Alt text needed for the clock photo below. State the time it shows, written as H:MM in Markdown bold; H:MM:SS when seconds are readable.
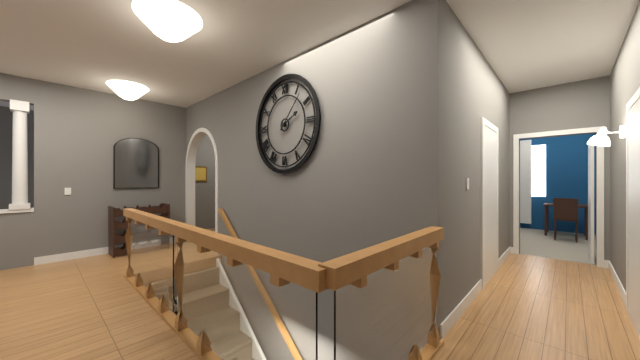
**2:07**
